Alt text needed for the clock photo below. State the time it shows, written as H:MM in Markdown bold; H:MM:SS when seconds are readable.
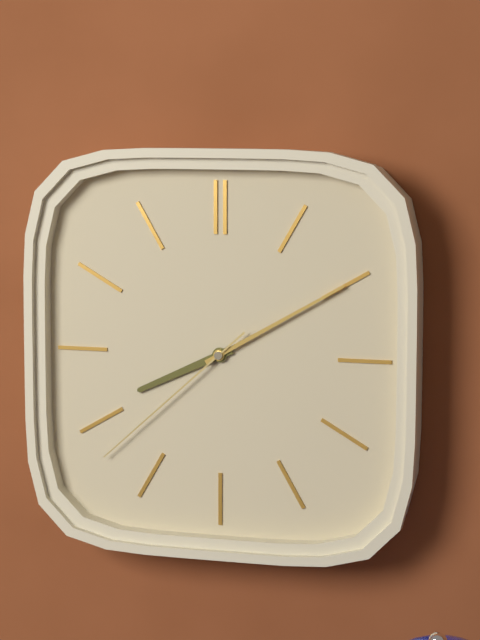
**8:10:38**
